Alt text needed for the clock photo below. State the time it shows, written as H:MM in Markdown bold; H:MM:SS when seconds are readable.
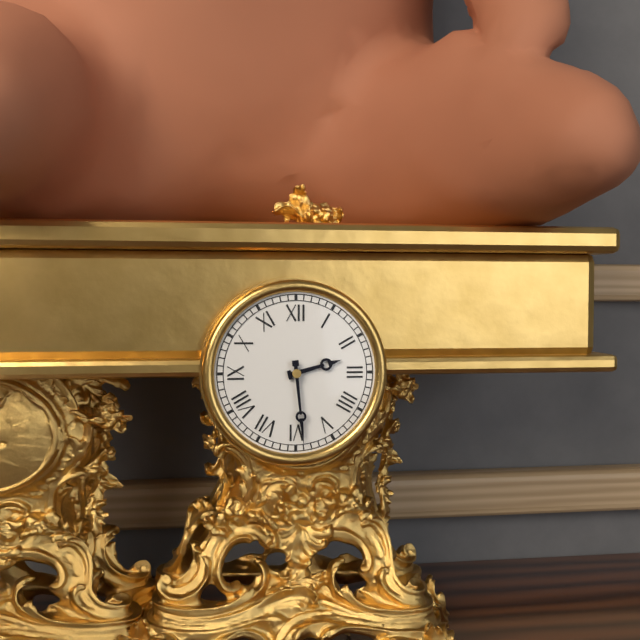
**2:29**
